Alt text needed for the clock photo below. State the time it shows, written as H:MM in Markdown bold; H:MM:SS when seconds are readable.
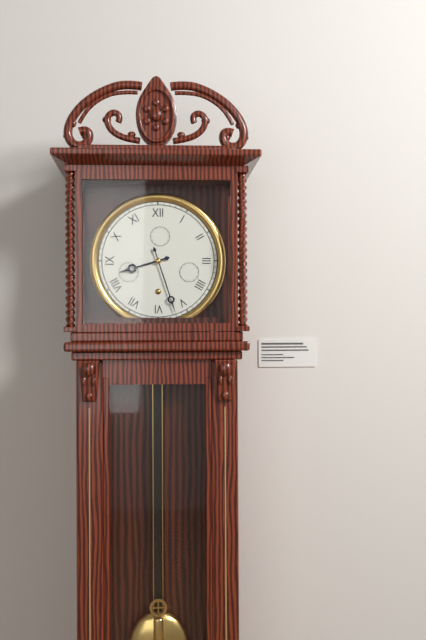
**8:27**
